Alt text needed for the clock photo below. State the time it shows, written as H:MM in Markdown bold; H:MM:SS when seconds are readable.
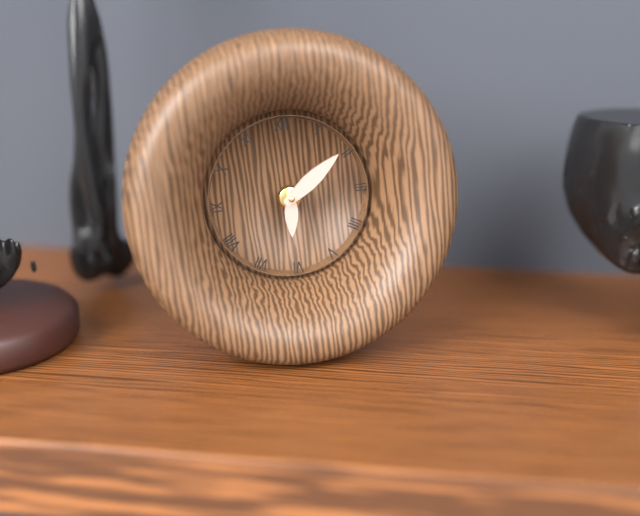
**6:09**
